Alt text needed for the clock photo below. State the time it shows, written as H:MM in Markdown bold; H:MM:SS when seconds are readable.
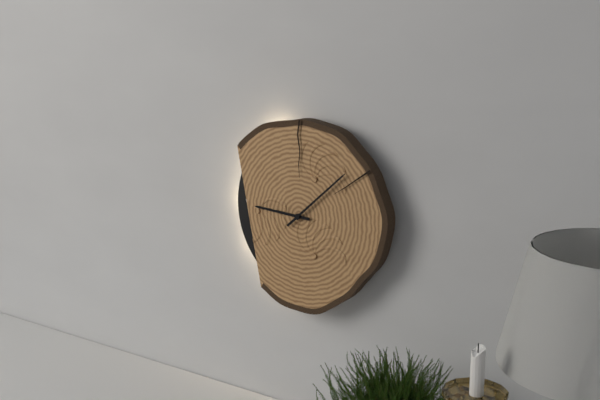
**9:08**
